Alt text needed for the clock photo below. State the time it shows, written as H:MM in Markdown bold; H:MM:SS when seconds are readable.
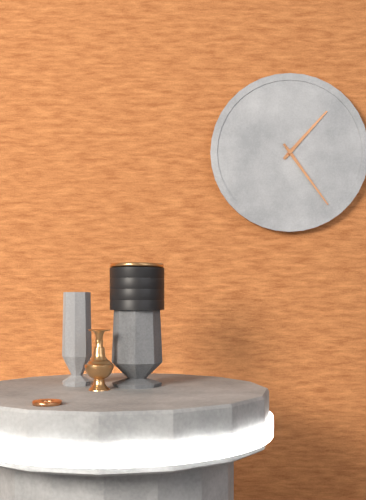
**1:24**
